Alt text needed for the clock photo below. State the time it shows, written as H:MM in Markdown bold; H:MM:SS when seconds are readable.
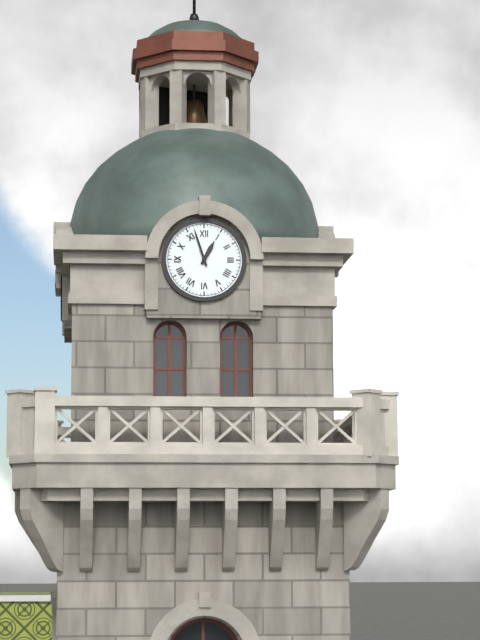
**12:57**
